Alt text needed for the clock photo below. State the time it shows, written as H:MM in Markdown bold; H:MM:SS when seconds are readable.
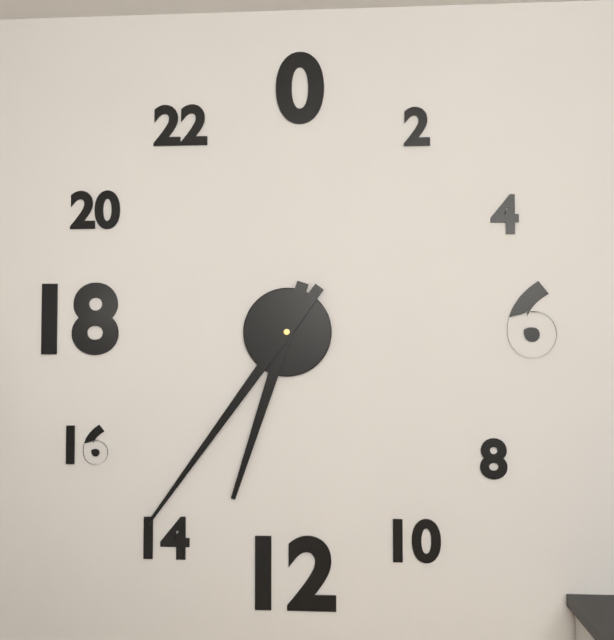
**6:36**
